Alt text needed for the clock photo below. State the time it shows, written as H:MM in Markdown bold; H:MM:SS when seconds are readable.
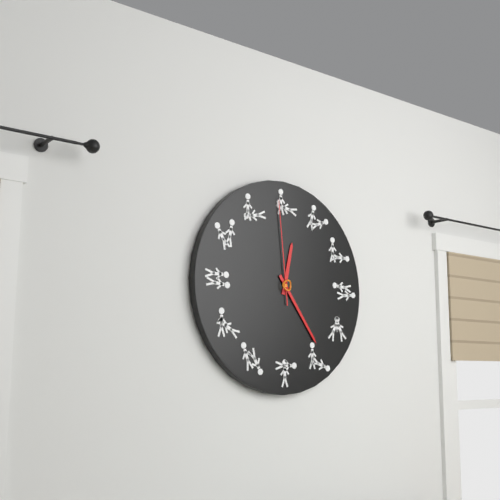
**12:24:59**
